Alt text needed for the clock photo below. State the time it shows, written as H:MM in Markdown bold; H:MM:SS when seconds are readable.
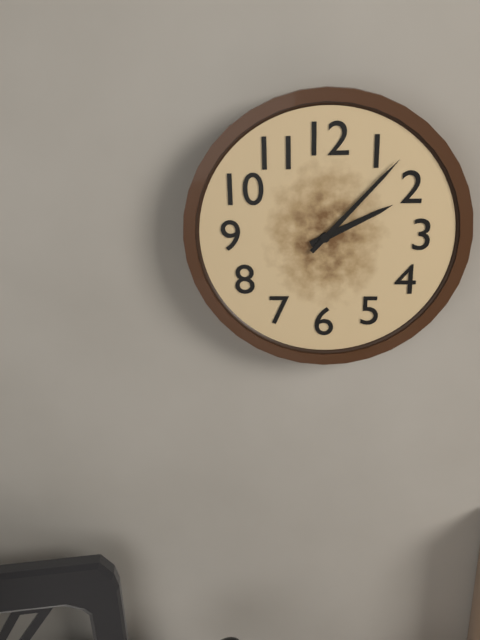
**2:07**
